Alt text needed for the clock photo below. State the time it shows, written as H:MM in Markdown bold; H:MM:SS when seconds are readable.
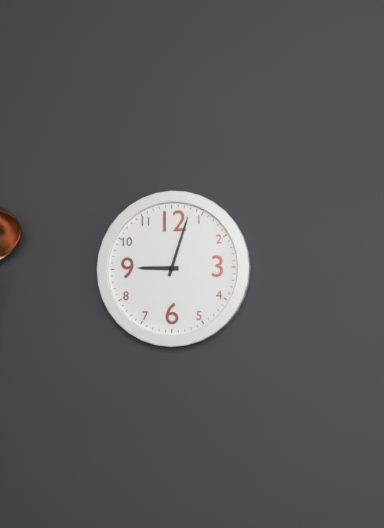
**9:03**
